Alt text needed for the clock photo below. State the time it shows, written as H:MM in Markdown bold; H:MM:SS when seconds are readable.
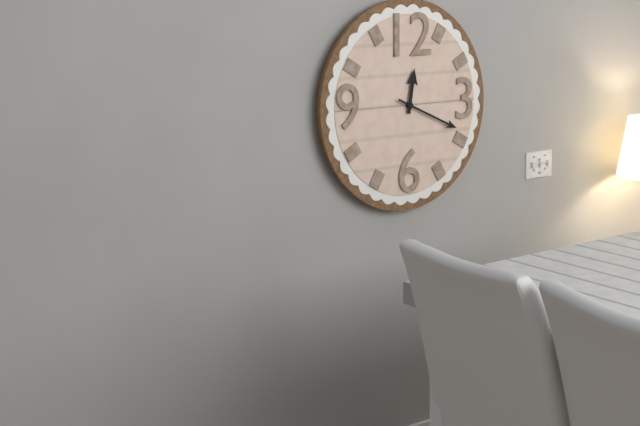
**12:19**
